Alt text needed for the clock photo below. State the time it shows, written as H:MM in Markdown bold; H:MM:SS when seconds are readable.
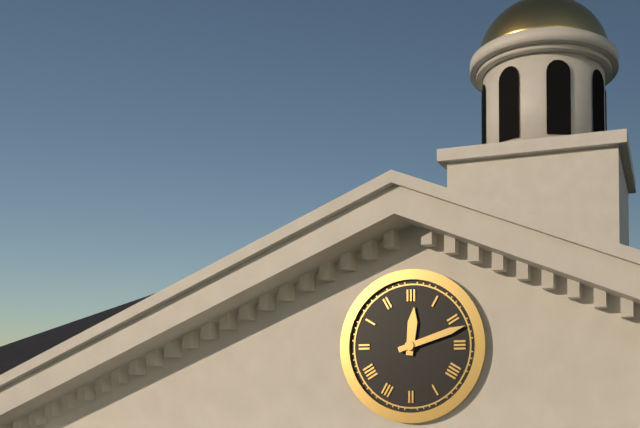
**12:12**
